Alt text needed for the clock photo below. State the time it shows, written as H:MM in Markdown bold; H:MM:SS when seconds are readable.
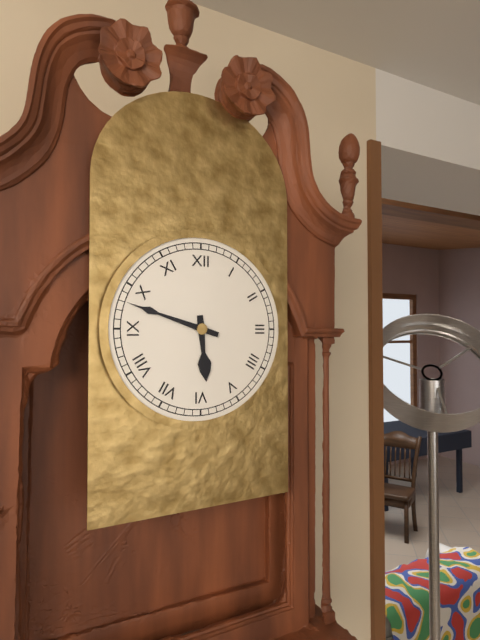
**5:48**
